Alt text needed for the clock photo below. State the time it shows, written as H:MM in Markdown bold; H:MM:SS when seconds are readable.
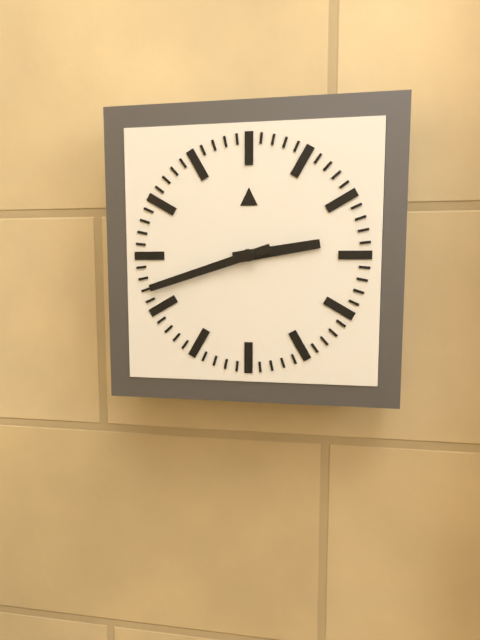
**2:42**
